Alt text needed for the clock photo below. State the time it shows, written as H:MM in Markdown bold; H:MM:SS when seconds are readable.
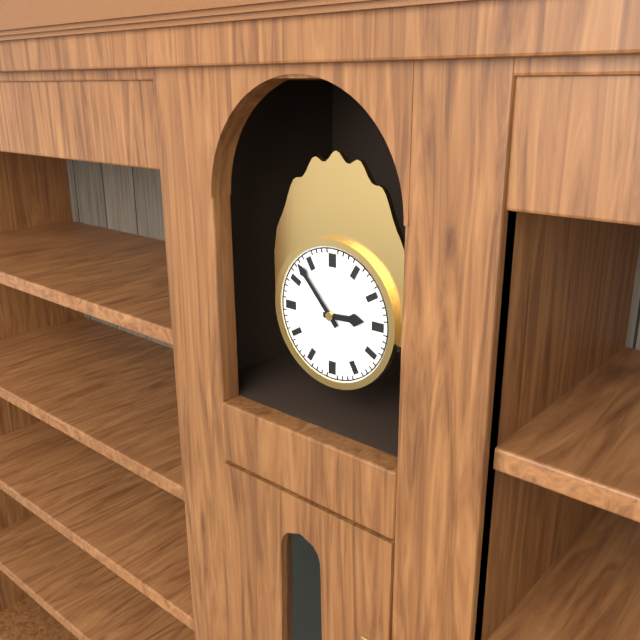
**2:53**
